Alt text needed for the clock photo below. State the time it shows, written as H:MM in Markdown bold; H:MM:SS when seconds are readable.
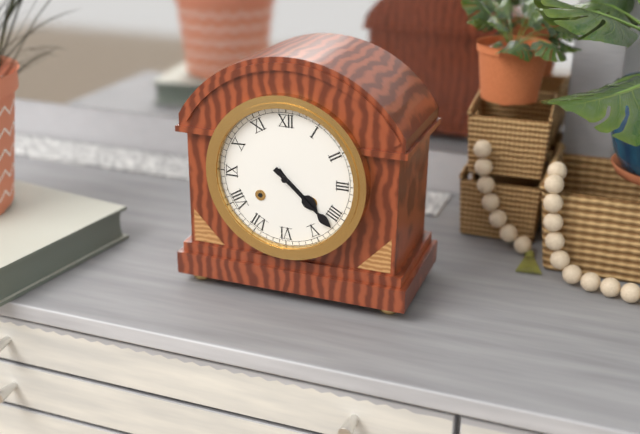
**4:22**
